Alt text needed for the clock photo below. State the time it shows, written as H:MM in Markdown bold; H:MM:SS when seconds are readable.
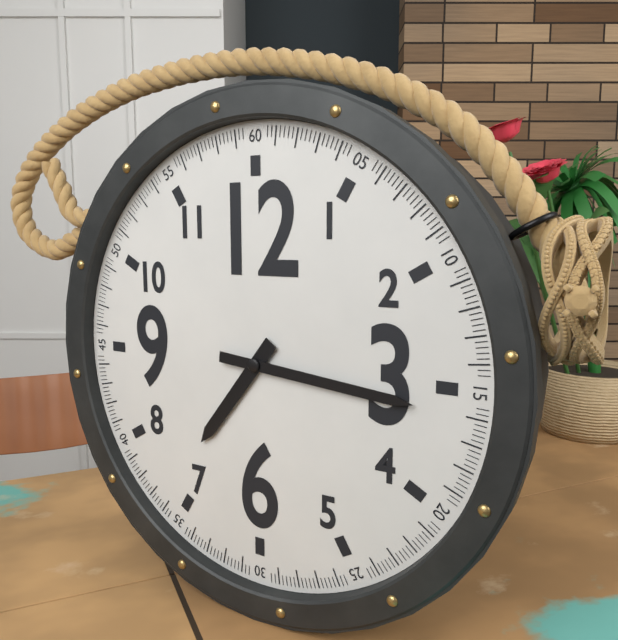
**7:16**
